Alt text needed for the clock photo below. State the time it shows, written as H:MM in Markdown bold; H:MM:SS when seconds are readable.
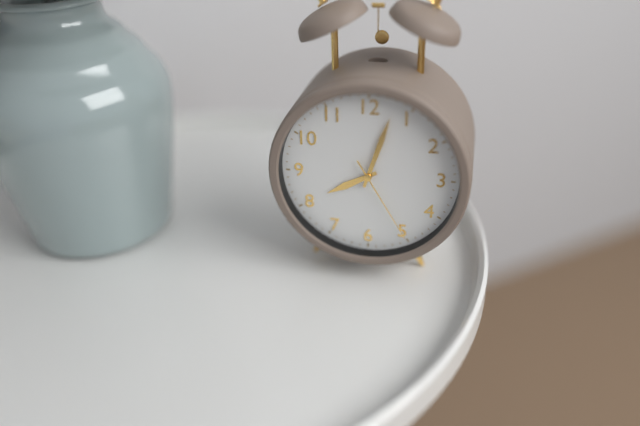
**8:03:25**
